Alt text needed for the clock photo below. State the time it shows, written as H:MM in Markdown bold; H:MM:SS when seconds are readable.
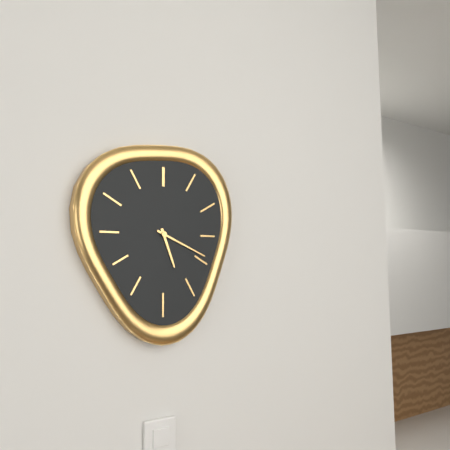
**5:19**
